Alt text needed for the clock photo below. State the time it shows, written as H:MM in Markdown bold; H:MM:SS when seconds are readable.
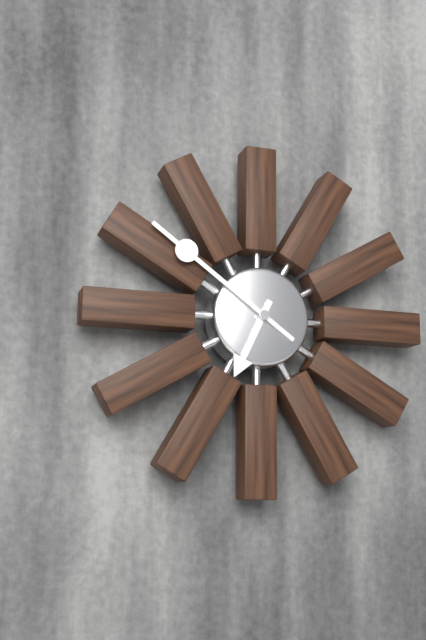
**6:51**
